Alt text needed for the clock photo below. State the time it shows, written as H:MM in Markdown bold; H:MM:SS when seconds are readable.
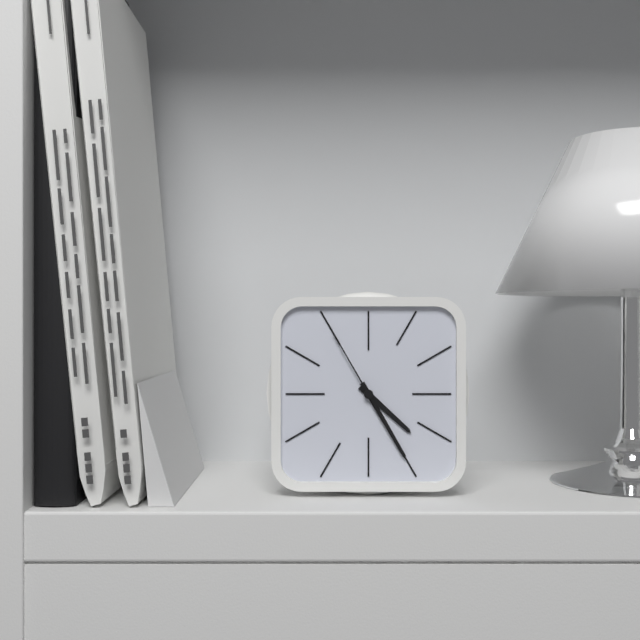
**4:25:55**
